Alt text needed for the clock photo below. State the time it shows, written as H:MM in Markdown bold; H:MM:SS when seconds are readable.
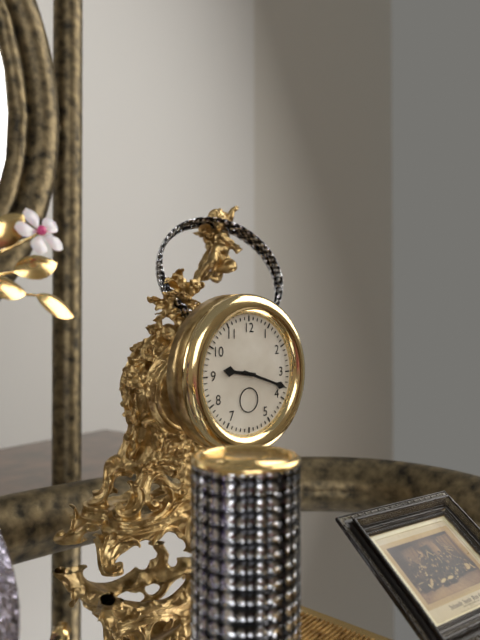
**9:18**
